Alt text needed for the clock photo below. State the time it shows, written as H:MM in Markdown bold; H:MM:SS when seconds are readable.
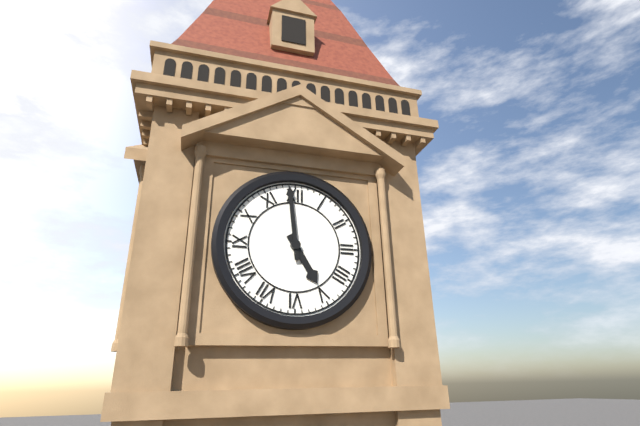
**4:59**
